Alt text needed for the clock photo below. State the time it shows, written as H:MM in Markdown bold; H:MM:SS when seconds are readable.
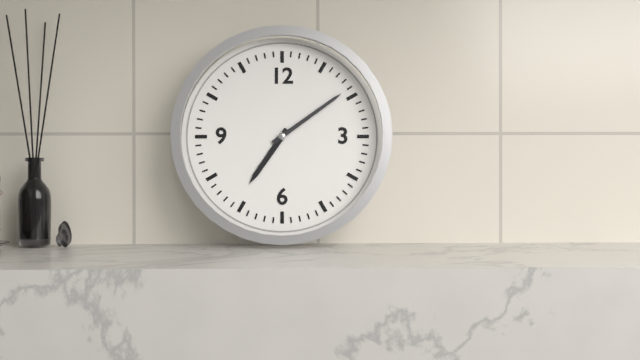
**7:09**
